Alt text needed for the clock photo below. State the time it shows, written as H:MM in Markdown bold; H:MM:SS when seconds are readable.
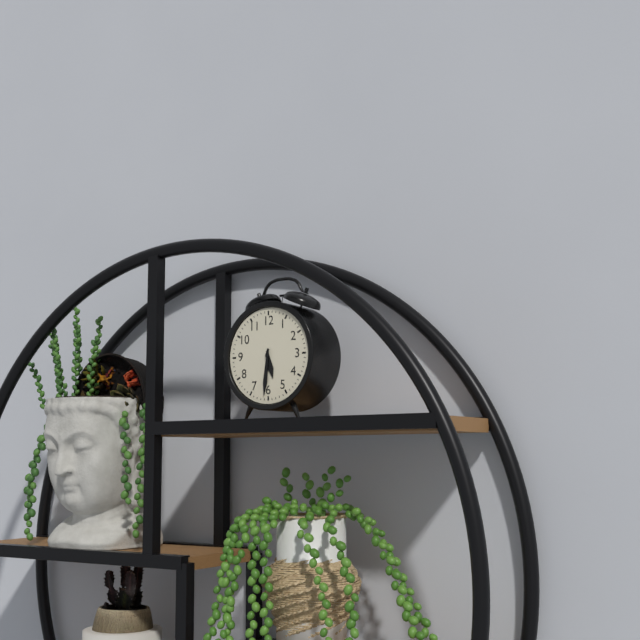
**5:31**
